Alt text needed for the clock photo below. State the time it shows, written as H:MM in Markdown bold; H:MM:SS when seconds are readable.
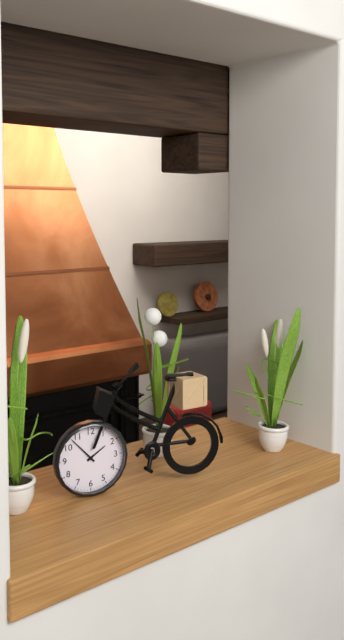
**1:53**
